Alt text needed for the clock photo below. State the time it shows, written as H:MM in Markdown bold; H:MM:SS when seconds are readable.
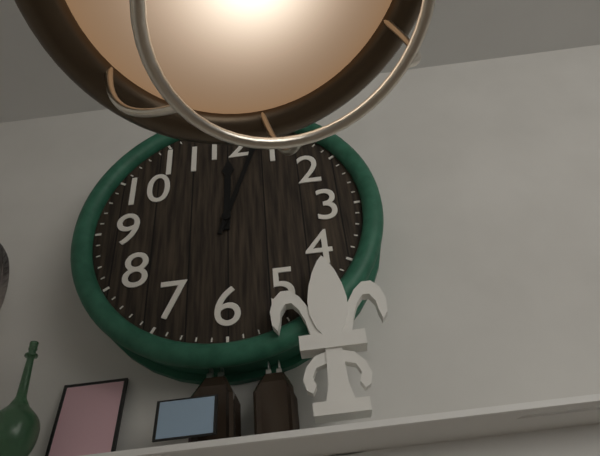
**12:03**
